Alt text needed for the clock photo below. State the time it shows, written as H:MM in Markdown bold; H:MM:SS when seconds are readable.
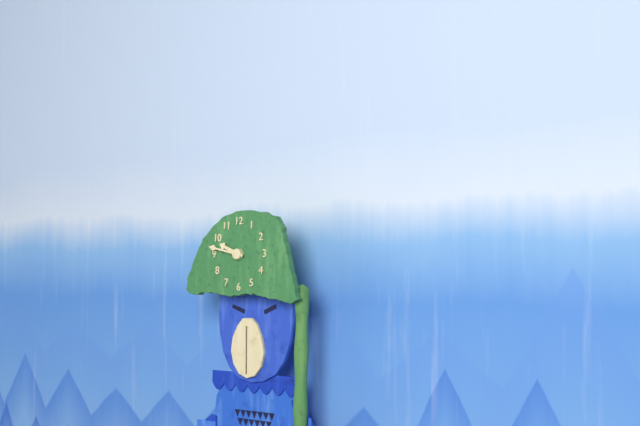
**9:47**
